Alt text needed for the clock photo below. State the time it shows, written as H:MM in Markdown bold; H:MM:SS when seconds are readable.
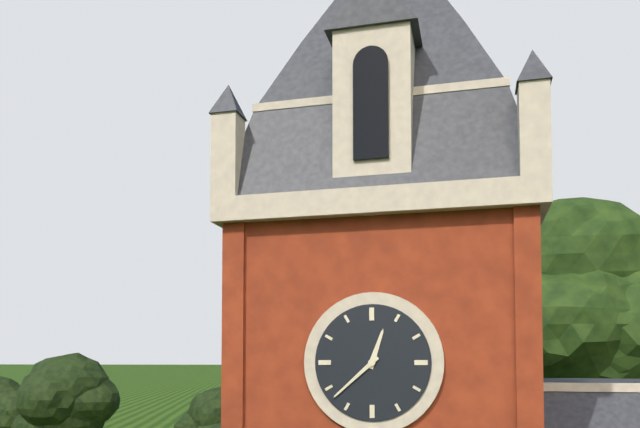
**12:38**
